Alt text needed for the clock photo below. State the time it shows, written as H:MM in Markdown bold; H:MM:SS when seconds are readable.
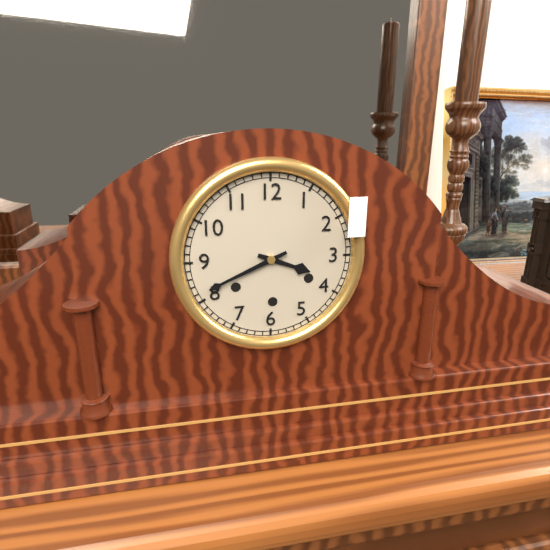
**3:41**
